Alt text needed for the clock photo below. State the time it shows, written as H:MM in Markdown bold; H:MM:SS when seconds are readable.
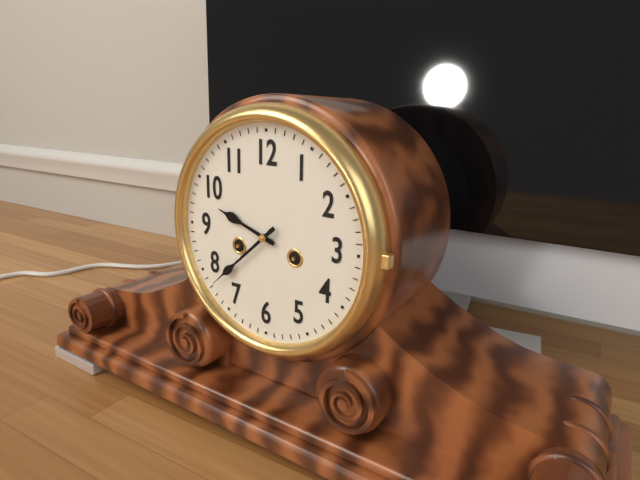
**9:38**
